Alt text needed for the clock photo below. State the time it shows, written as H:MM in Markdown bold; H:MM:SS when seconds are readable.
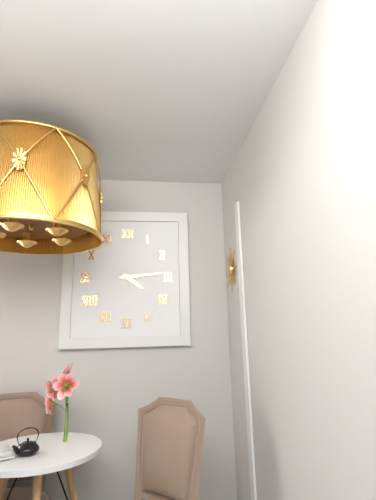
**4:14**
